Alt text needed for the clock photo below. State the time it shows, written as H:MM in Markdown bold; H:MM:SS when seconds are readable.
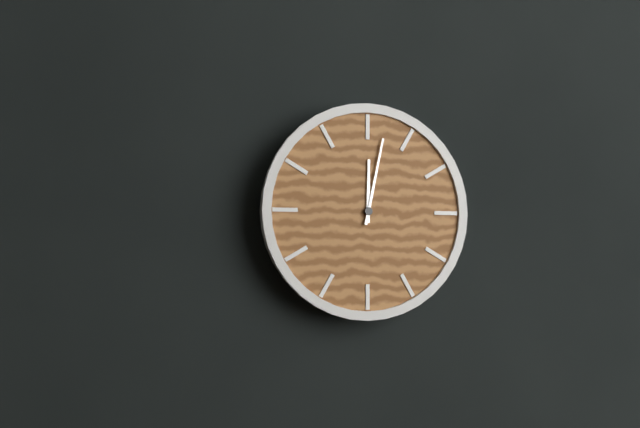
**12:02**
